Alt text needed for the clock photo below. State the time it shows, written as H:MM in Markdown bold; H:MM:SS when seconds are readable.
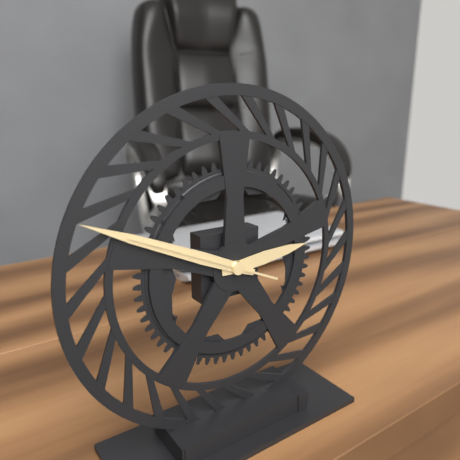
**2:49:49**
